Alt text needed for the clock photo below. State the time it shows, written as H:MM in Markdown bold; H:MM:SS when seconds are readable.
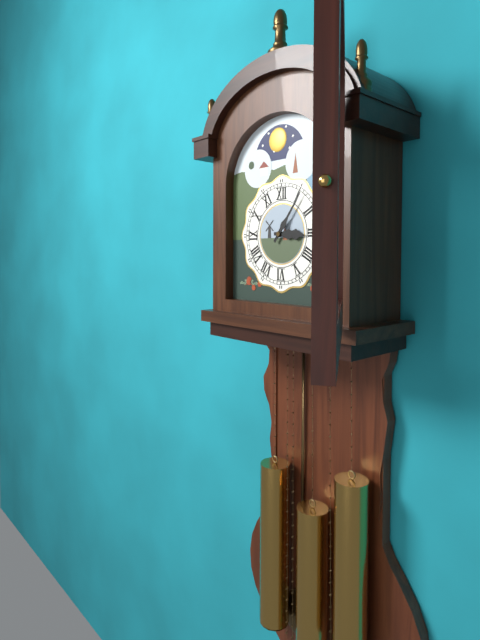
**3:06**
